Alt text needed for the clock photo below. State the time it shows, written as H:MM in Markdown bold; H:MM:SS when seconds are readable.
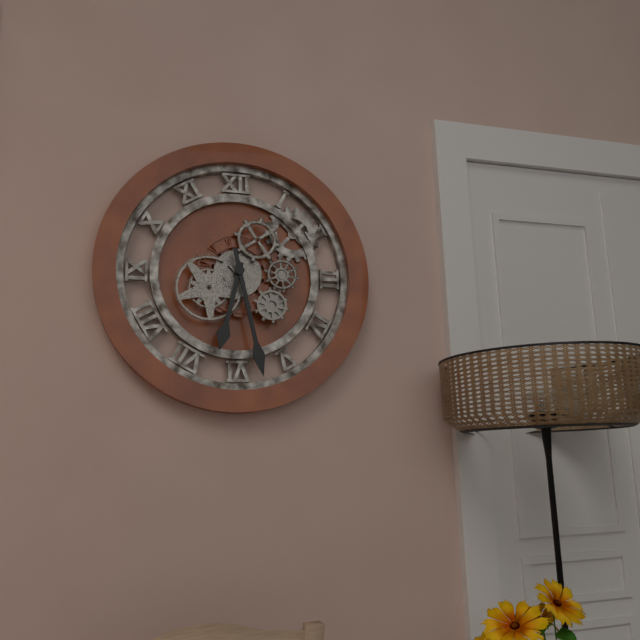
**6:28**
